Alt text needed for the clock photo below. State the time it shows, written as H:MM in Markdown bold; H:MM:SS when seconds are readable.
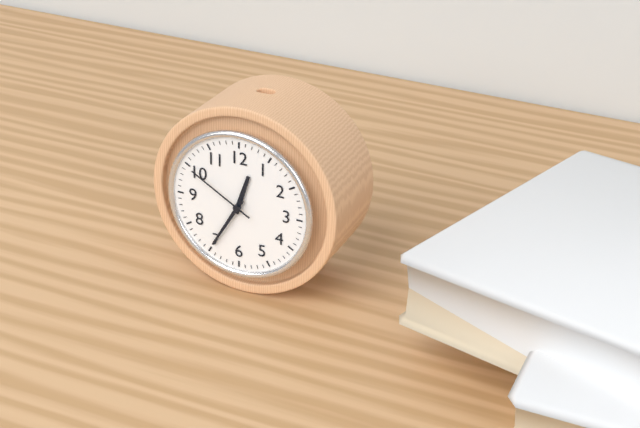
**12:35:50**
